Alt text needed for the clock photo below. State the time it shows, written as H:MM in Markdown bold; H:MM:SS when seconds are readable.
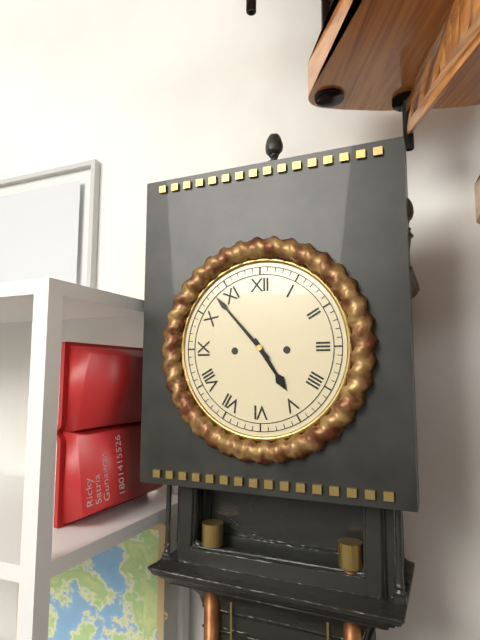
**4:53**
